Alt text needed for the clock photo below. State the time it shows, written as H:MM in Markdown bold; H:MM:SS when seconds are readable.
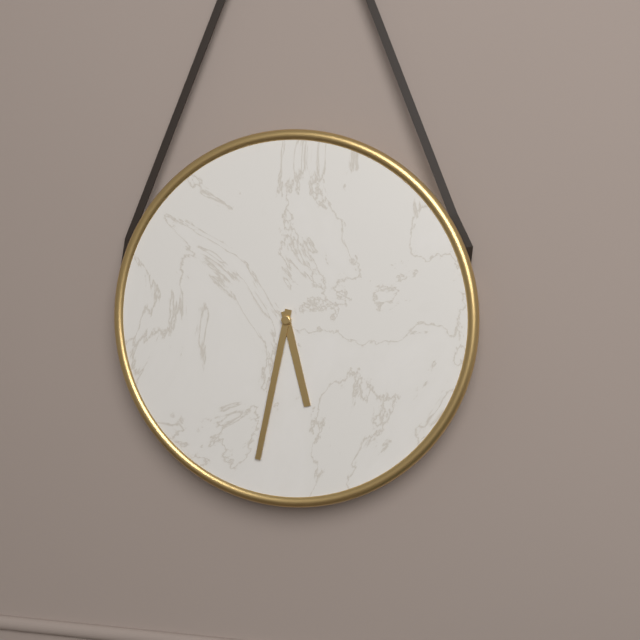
**5:32**
